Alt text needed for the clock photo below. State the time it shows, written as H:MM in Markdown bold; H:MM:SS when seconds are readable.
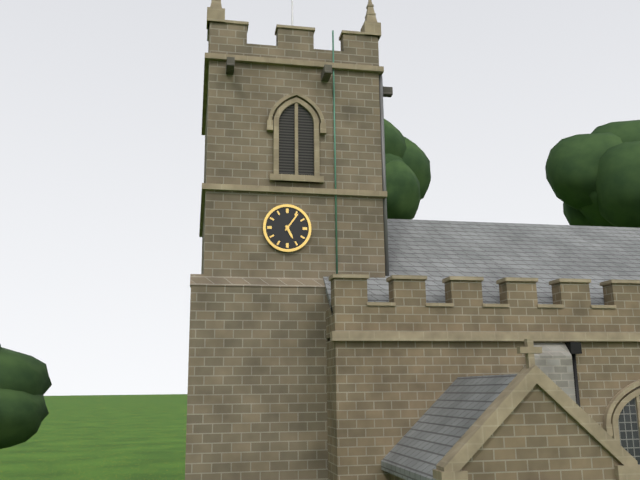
**5:06**
